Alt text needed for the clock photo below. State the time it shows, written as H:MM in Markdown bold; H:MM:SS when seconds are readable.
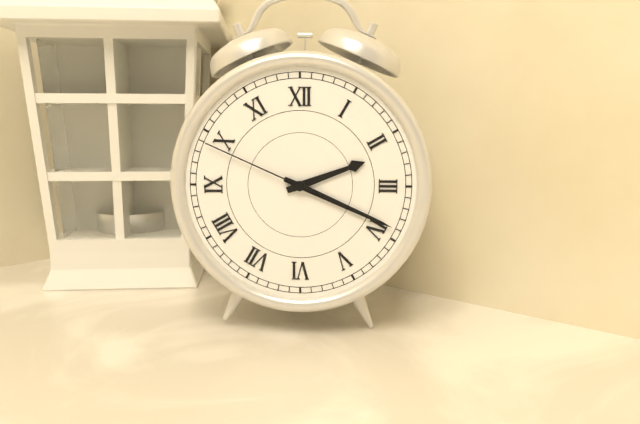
**2:19:49**
